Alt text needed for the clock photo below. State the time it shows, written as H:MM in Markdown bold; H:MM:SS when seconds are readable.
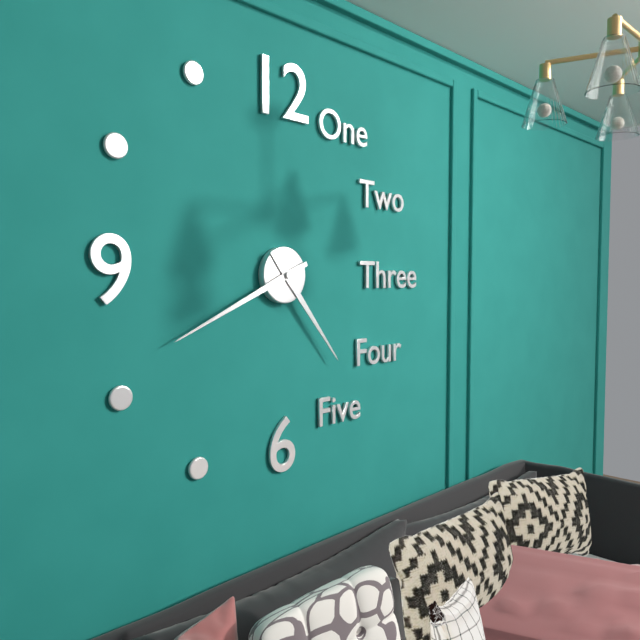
**4:41**
